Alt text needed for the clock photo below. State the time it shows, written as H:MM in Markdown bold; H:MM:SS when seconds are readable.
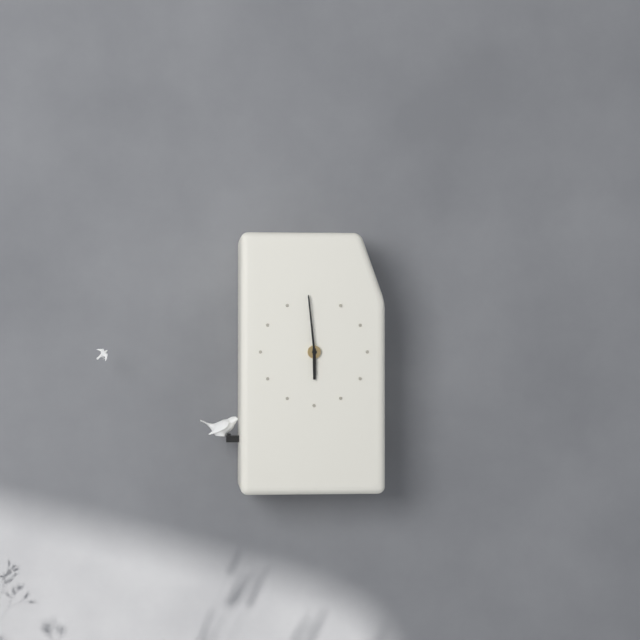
**5:59**
